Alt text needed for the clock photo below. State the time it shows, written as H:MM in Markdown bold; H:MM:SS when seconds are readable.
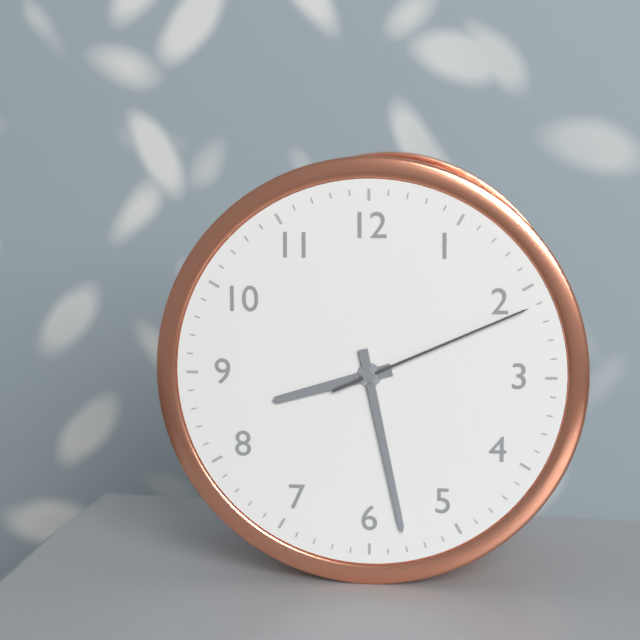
**8:28:11**
